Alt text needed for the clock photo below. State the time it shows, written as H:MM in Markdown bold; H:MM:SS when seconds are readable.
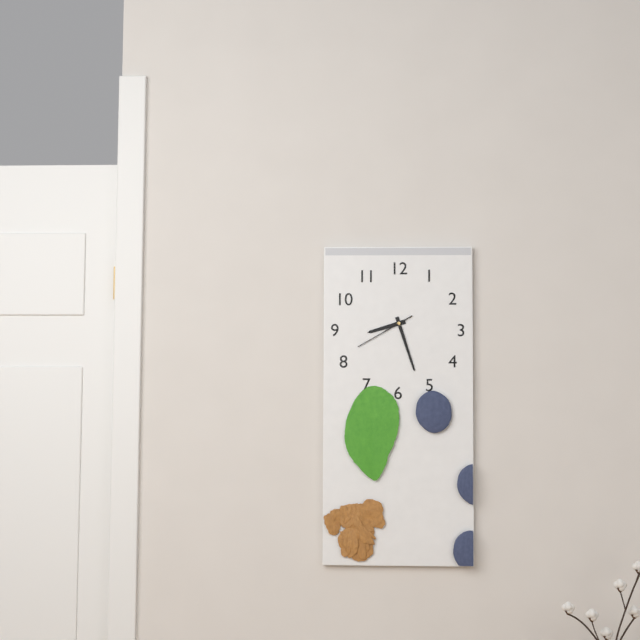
**8:27:40**
